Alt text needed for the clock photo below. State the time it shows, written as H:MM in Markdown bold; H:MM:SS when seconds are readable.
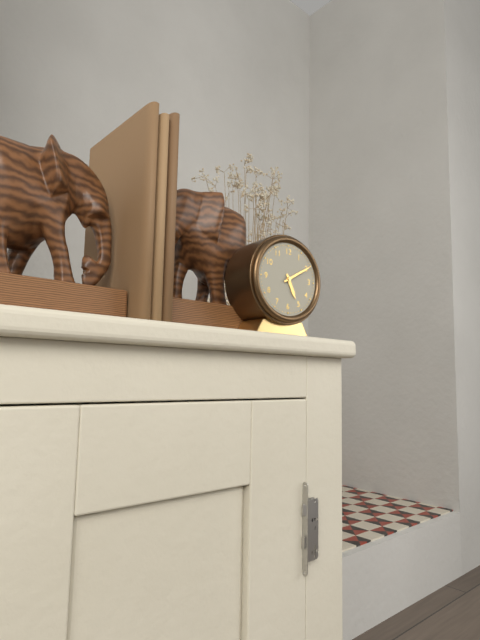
**5:10**
